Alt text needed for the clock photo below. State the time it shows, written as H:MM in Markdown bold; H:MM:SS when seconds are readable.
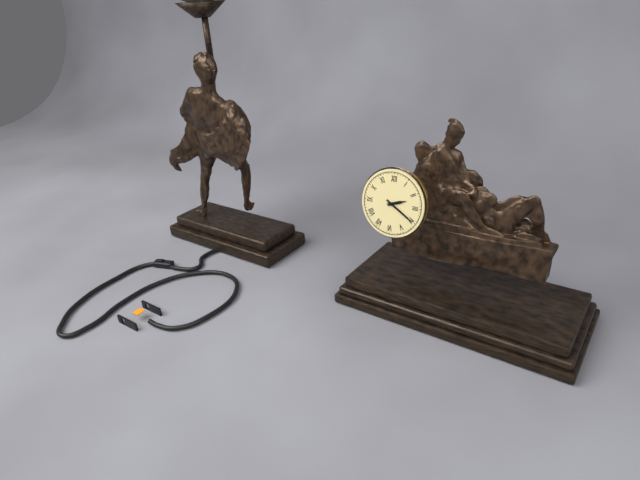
**2:20**
